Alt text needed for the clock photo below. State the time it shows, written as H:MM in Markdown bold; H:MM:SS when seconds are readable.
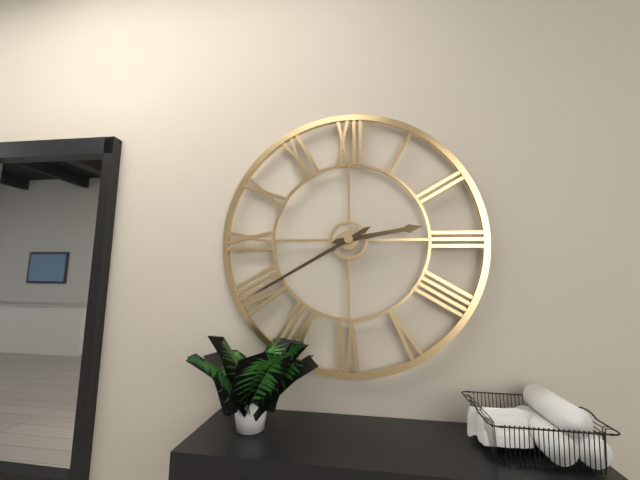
**2:40**
